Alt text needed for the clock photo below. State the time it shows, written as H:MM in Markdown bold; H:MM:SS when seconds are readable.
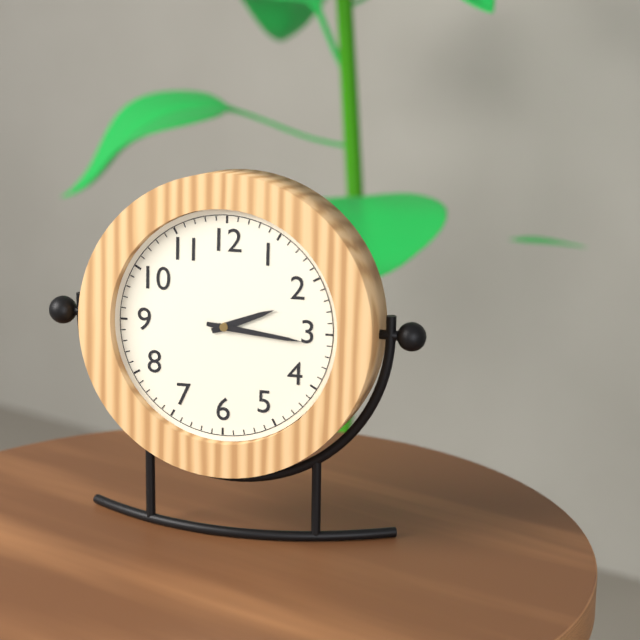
**2:16**
